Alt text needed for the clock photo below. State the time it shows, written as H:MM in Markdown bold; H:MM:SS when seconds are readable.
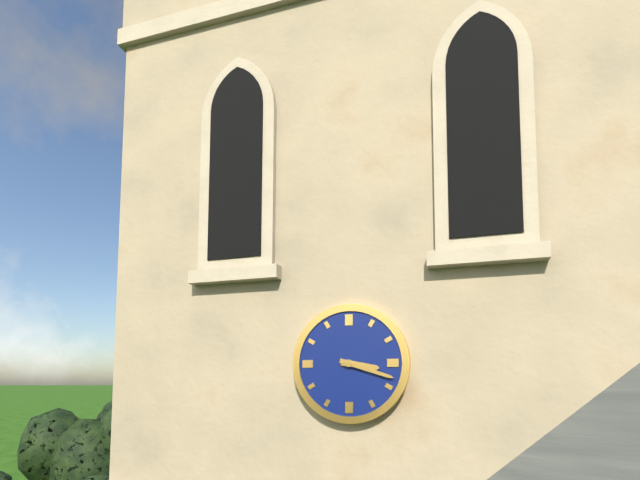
**3:18**
